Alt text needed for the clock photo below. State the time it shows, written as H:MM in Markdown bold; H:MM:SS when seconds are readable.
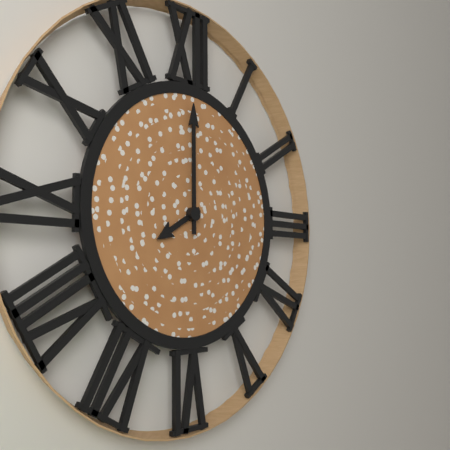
**8:00**
